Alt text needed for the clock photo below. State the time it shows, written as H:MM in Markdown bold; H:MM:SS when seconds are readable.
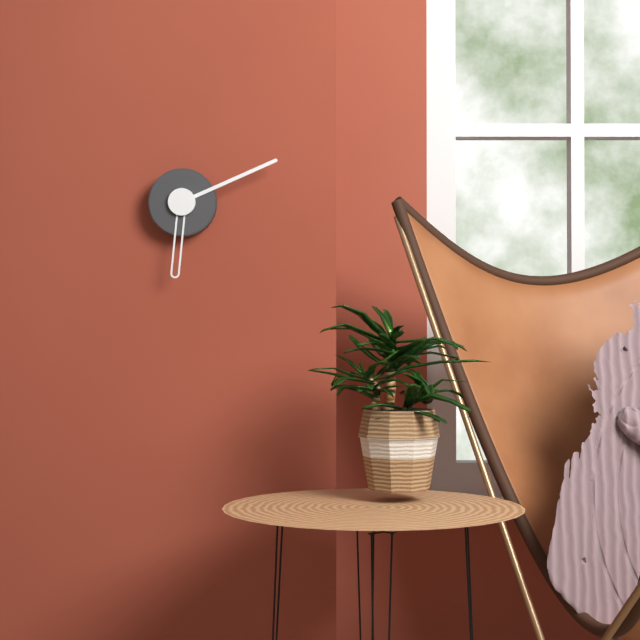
**6:11**
